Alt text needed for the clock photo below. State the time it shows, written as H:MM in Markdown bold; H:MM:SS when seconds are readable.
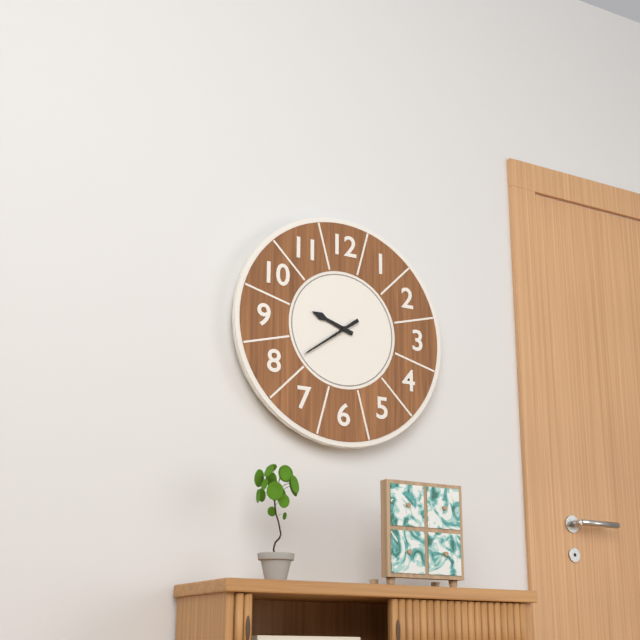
**9:39**
